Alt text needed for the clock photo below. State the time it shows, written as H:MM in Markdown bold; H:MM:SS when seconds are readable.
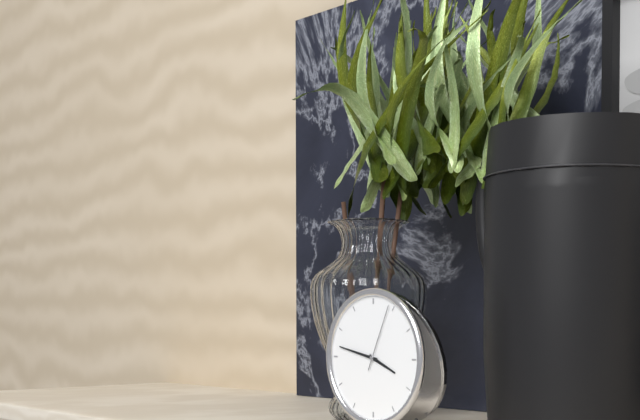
**3:47:04**
